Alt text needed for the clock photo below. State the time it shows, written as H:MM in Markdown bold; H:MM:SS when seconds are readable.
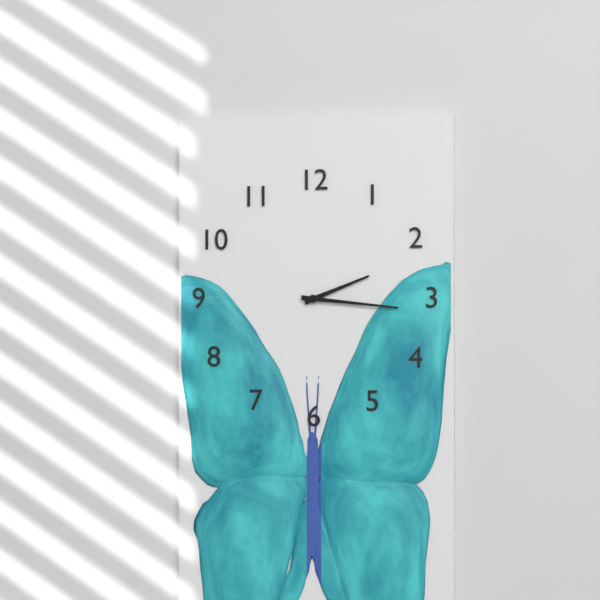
**2:16**
